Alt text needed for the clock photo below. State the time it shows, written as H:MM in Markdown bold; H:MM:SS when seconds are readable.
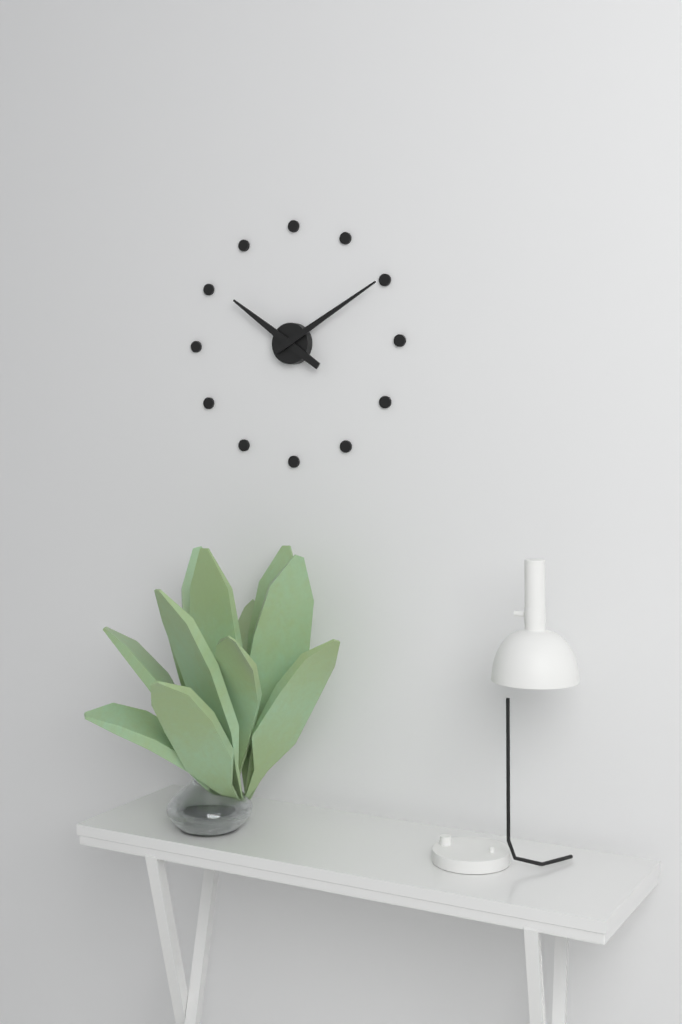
**10:10**
